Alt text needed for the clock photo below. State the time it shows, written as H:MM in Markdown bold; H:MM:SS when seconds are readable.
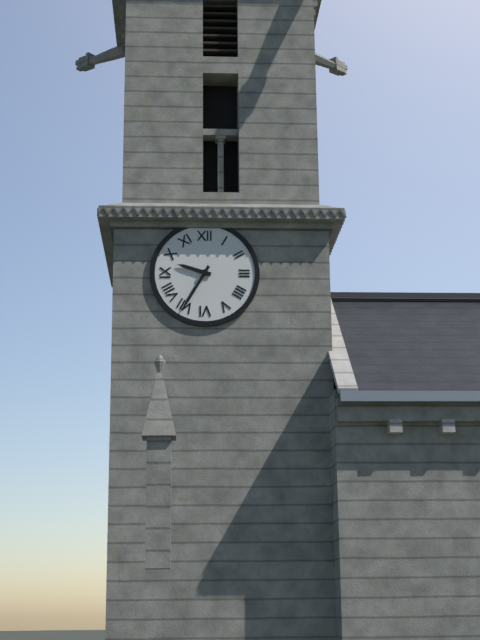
**9:35**
